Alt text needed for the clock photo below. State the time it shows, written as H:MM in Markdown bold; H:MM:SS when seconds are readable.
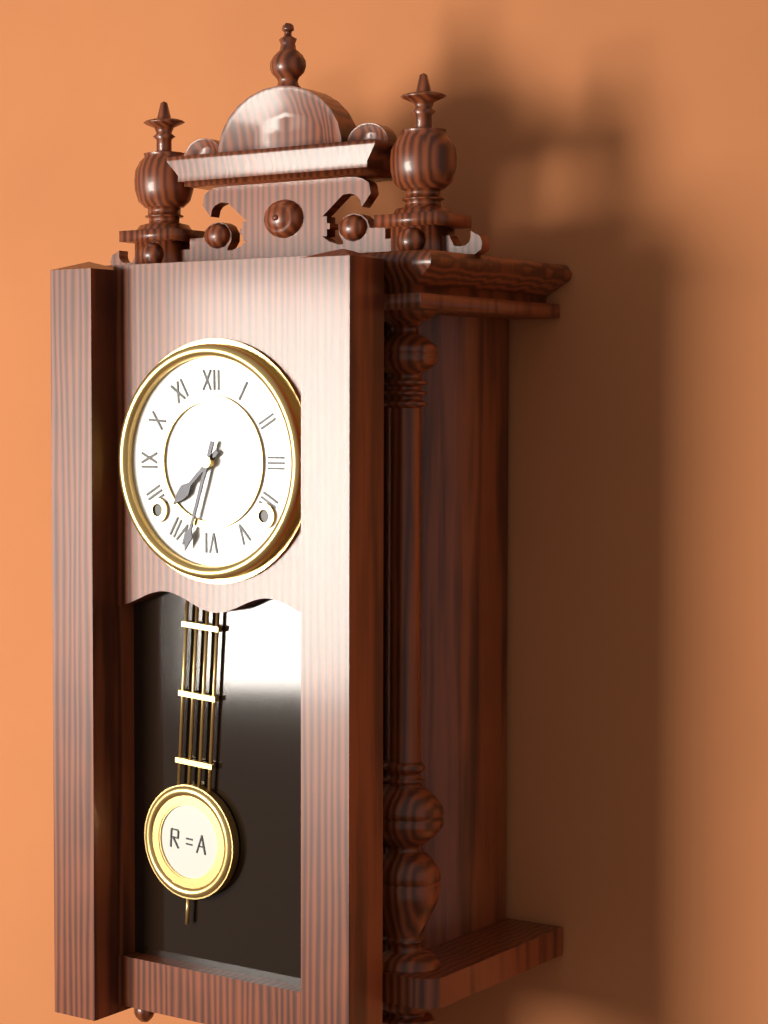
**7:33**
